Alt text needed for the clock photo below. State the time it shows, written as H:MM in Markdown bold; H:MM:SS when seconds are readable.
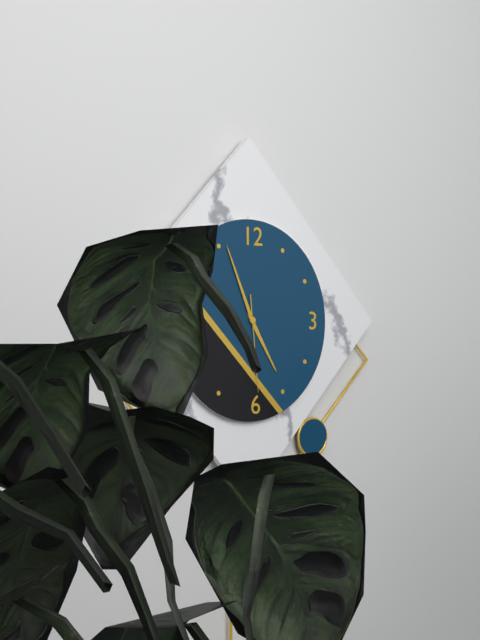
**4:56:29**
